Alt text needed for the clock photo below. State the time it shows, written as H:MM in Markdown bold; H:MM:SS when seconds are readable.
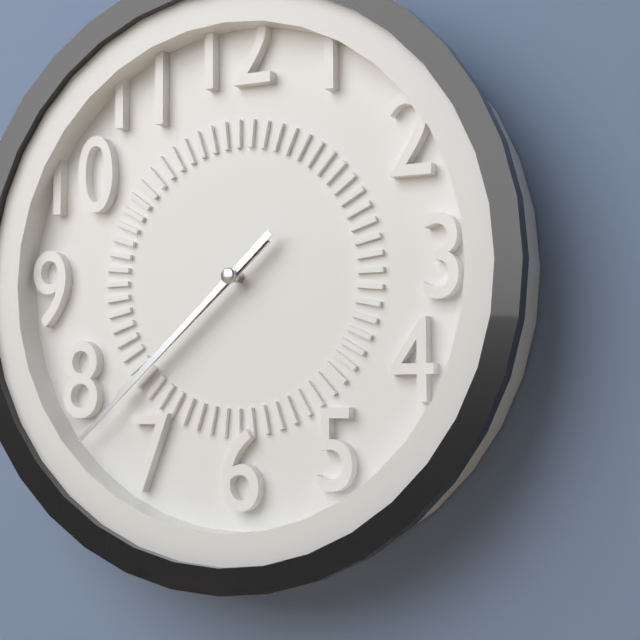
**7:38**
